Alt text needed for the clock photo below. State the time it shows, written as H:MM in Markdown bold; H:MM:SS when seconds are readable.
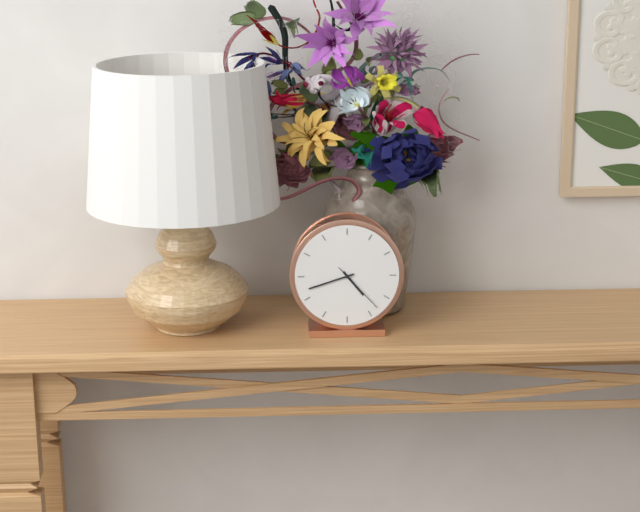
**4:42:23**
